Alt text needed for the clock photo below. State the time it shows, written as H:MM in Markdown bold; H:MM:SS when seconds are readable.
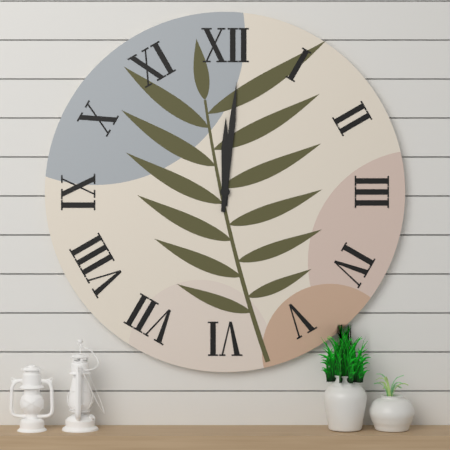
**12:01**
